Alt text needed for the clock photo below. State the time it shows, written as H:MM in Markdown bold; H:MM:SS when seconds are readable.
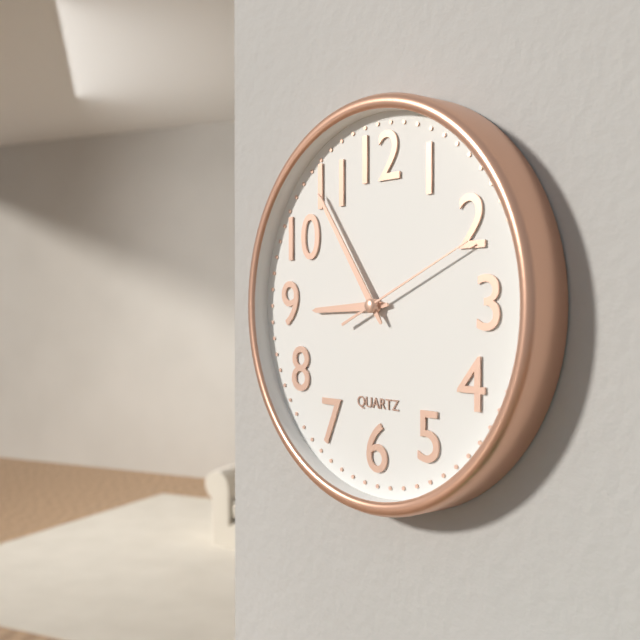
**8:54:11**
